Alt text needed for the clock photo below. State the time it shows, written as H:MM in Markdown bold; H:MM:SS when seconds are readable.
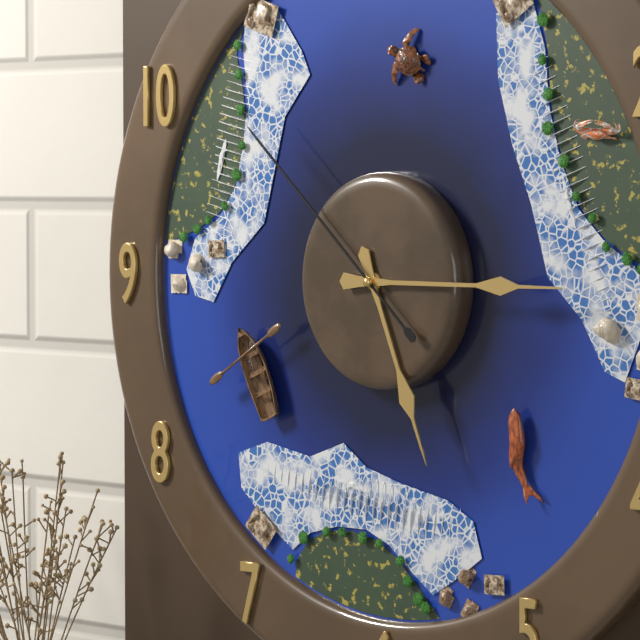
**5:15:52**
